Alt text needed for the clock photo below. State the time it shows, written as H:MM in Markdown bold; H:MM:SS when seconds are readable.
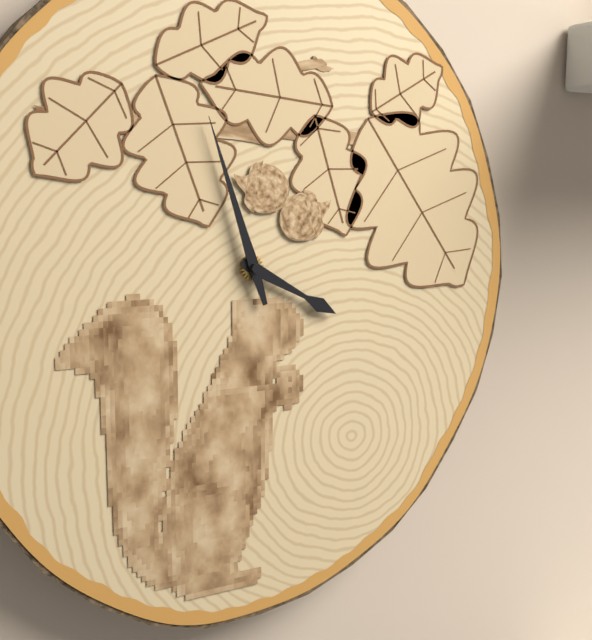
**3:57**
